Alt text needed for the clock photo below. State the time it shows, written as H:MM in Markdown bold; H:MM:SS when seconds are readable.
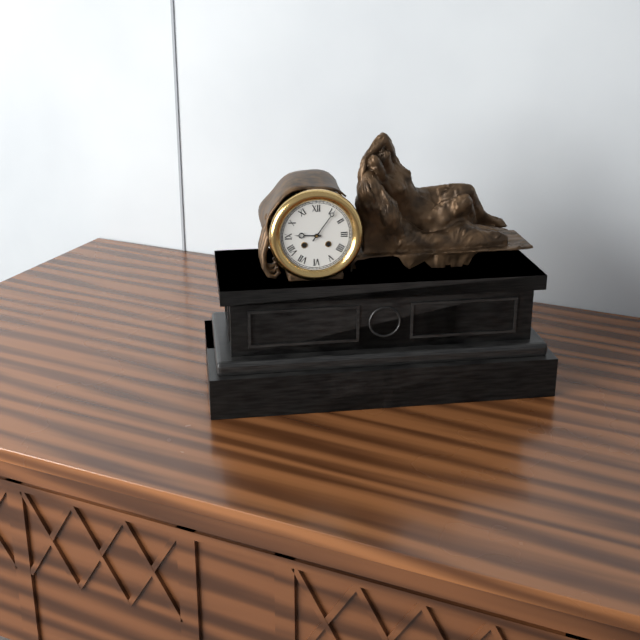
**9:06**
